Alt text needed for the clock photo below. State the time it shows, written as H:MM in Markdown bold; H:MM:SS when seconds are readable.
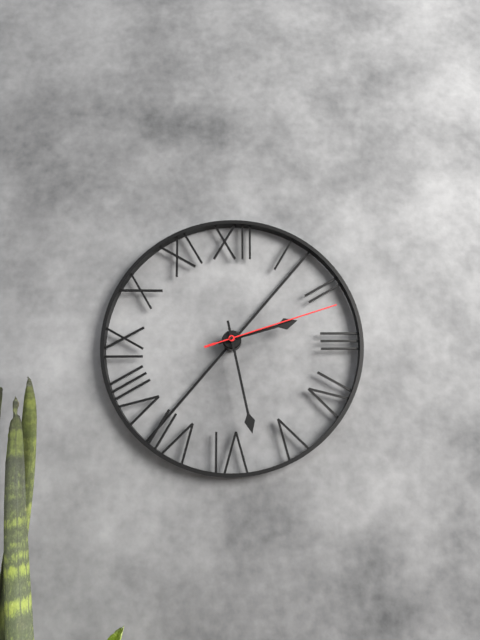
**2:28:12**
